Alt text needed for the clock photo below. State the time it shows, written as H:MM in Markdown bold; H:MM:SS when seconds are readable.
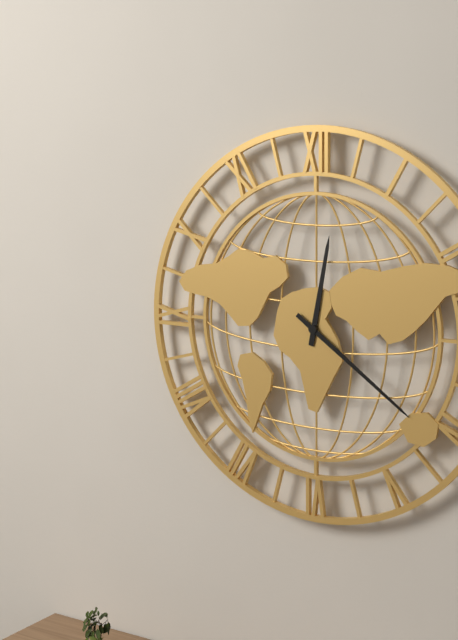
**12:21**
